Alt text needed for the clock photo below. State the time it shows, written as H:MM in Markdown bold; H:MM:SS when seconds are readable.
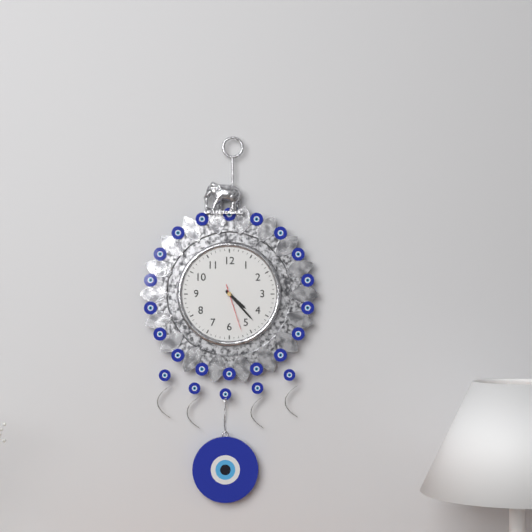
**4:23**
